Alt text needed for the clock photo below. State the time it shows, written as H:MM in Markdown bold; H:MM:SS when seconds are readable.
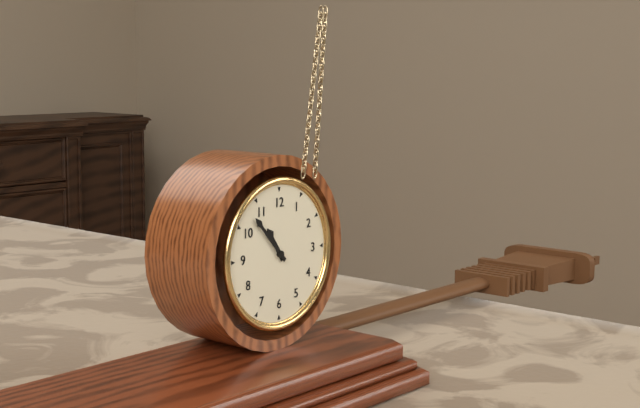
**10:53**
